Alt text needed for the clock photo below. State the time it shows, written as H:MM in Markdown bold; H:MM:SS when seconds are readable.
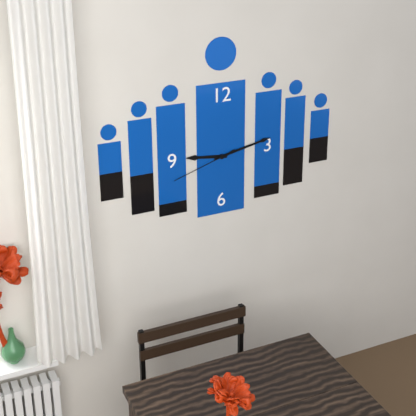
**9:13:42**
